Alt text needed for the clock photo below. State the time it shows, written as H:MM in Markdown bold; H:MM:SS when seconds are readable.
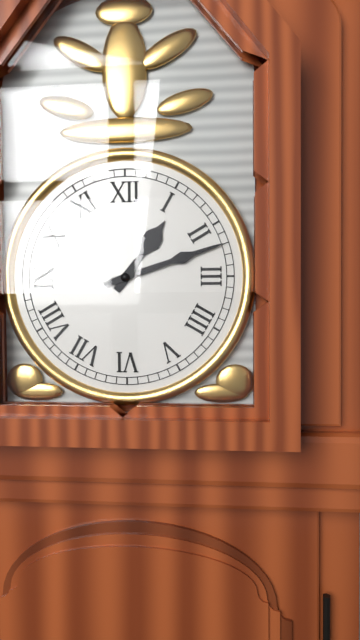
**1:12**
